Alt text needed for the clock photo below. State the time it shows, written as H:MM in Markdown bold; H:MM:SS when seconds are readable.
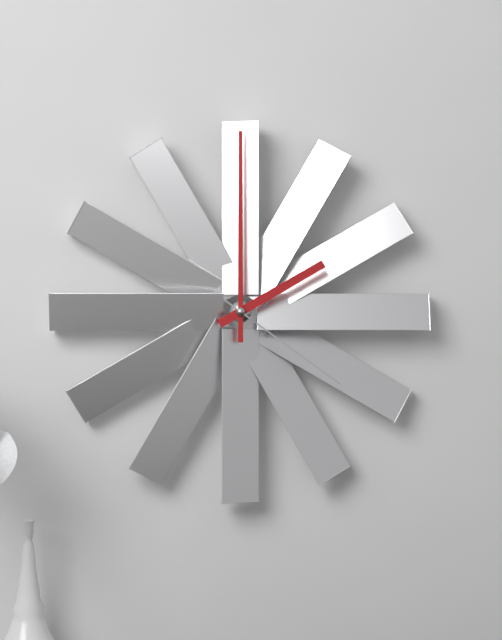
**2:00:21**
